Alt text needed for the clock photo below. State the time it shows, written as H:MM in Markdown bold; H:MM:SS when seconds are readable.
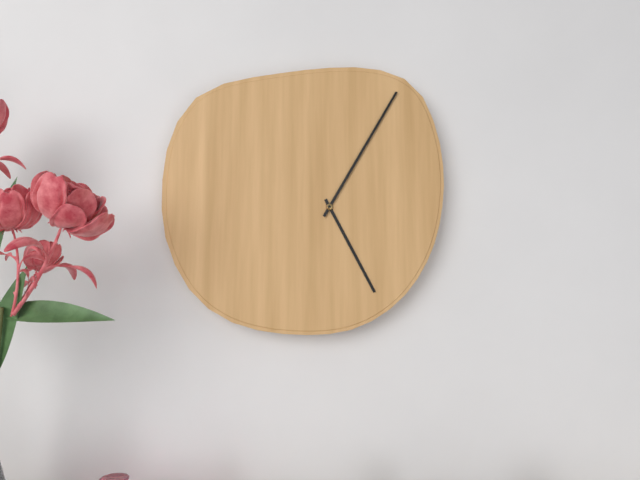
**5:05**
